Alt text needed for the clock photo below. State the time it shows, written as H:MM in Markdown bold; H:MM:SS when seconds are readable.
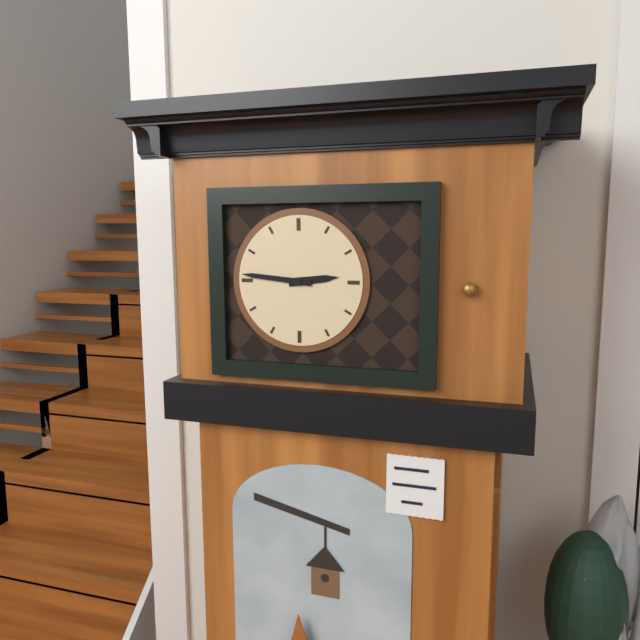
**2:46**
